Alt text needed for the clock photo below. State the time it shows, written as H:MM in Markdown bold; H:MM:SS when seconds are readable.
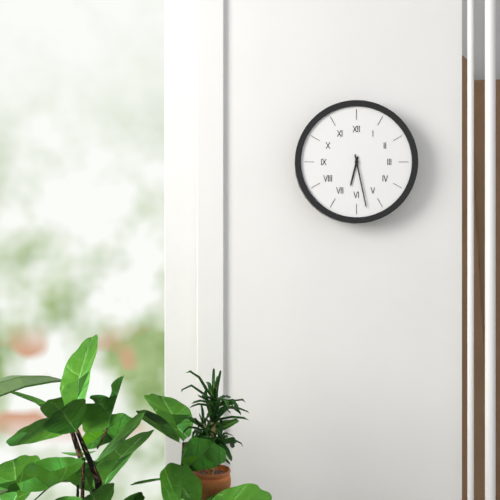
**6:28**
